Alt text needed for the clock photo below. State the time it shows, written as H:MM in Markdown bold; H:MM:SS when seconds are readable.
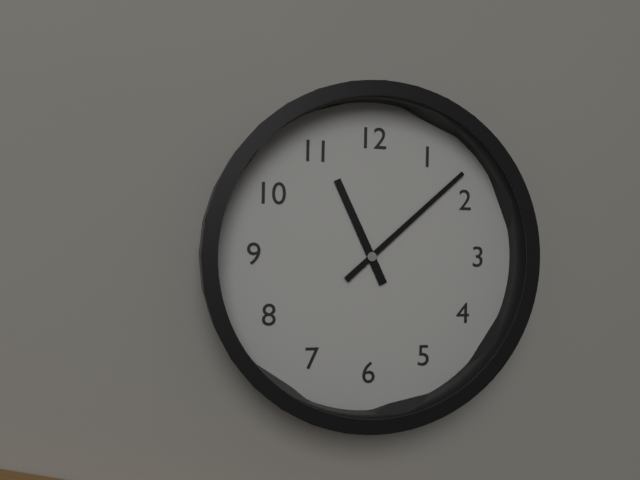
**11:08**
